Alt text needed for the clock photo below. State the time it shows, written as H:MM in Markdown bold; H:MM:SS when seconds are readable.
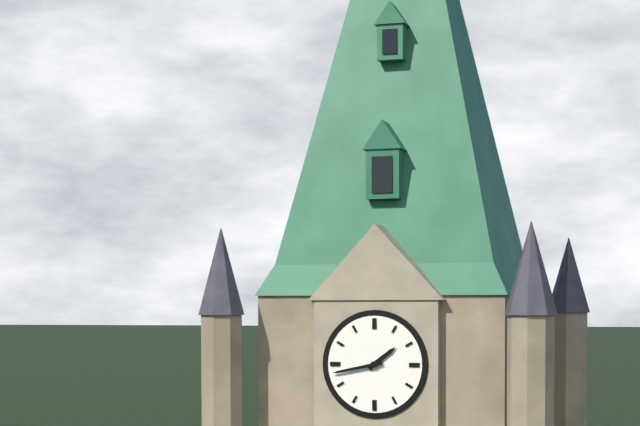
**1:43**
